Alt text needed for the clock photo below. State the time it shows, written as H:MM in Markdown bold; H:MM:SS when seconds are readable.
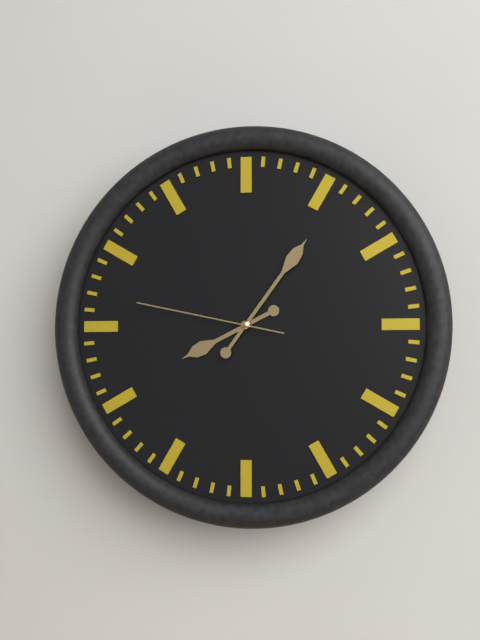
**8:06:47**
